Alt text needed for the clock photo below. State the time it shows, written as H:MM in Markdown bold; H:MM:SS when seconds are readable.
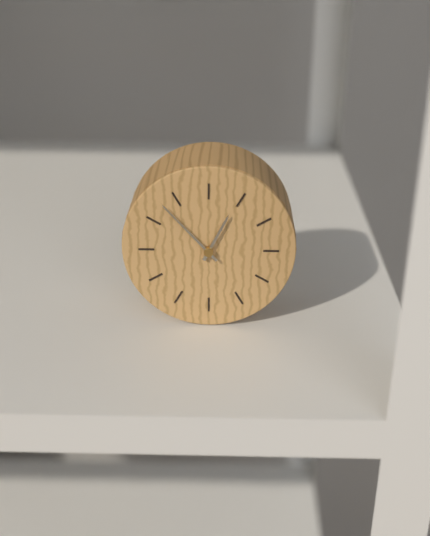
**12:53**
